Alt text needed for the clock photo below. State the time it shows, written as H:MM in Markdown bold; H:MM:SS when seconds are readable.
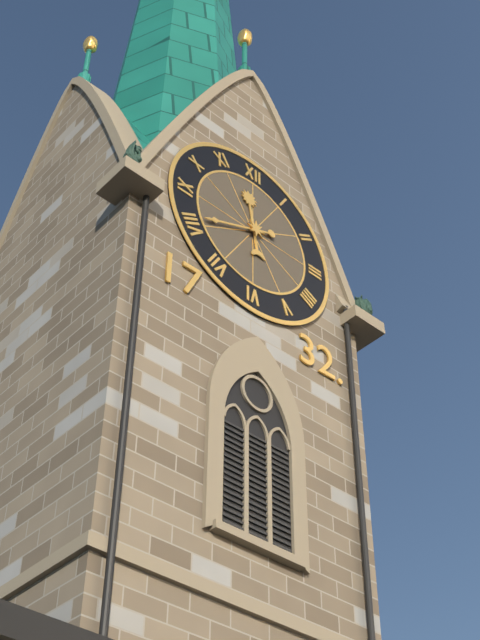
**11:41**
